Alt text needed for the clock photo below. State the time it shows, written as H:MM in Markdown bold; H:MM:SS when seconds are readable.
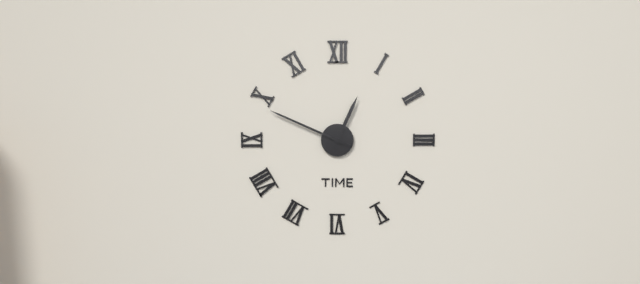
**12:49**
